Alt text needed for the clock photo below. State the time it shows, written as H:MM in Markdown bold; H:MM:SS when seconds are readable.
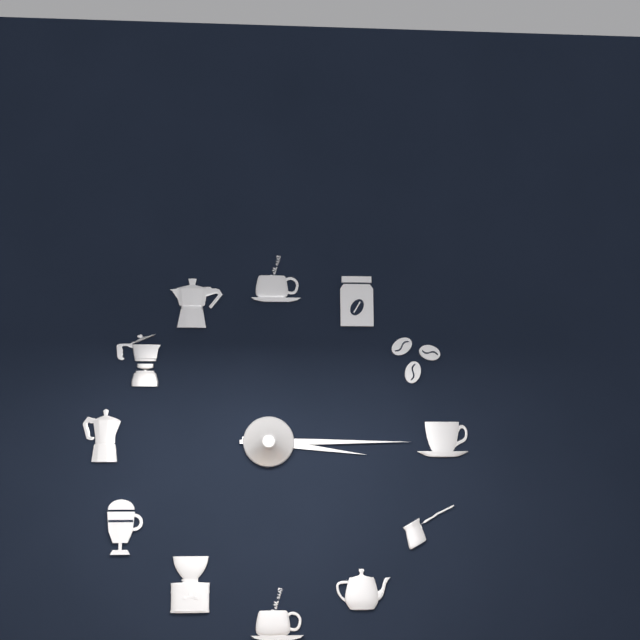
**3:15**
